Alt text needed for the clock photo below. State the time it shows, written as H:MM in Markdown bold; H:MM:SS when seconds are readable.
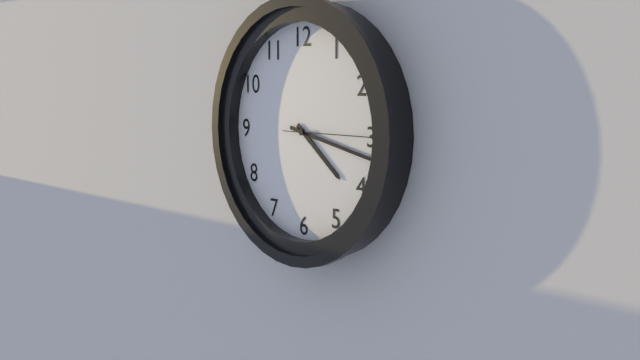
**4:17:15**
